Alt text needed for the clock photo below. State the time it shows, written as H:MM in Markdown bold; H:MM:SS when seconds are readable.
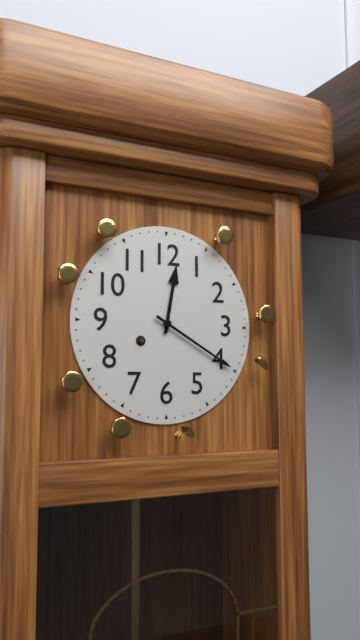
**12:20**
